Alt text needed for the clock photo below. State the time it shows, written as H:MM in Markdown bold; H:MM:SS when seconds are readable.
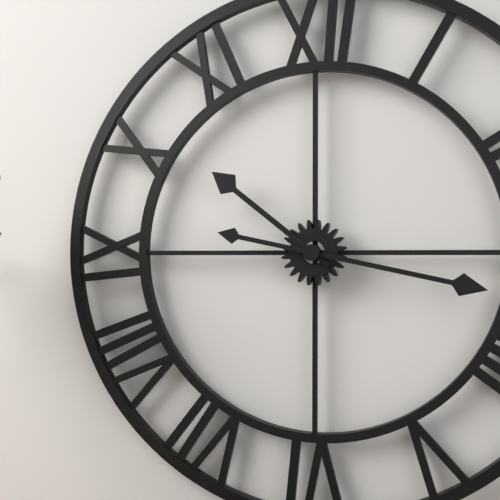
**10:17**
